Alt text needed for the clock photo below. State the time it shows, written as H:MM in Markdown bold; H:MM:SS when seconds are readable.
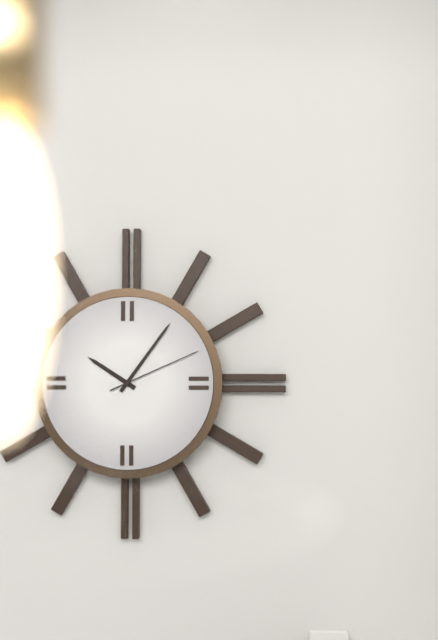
**10:06:11**
